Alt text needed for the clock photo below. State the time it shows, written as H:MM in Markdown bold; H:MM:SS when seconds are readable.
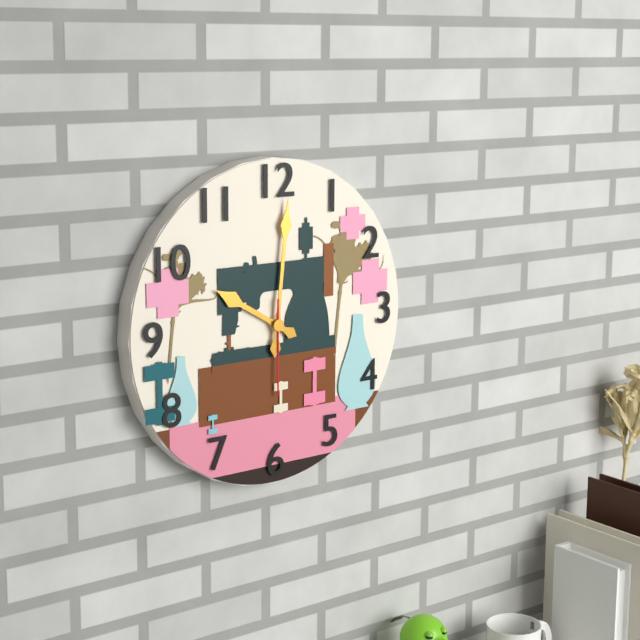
**10:01:30**
